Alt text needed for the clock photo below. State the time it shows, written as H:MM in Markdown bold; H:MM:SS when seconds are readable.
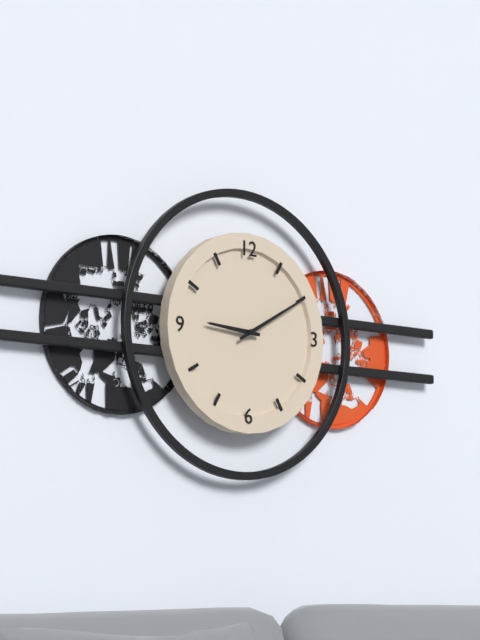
**9:10**
